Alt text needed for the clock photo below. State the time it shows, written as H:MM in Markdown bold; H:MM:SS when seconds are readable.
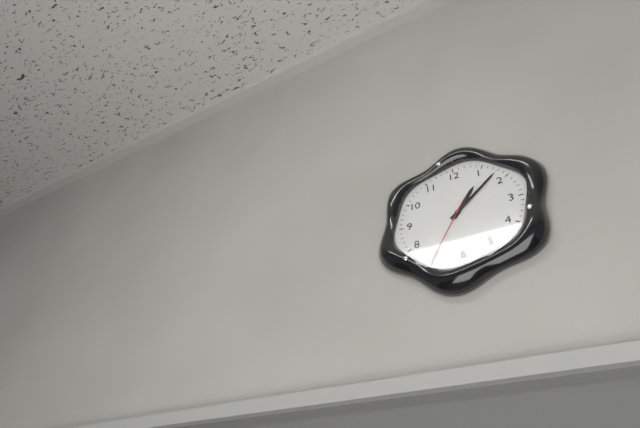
**1:08:35**
